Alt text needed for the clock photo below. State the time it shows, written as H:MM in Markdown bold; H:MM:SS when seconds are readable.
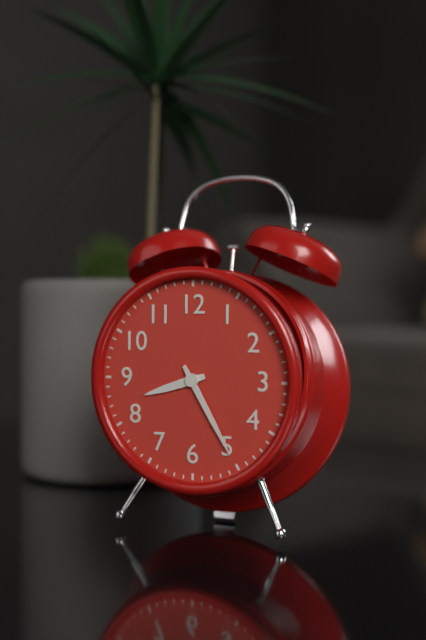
**8:25**
